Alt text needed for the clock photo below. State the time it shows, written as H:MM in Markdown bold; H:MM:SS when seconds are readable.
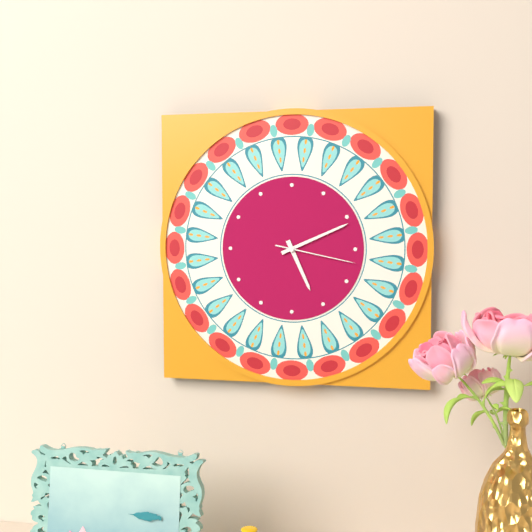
**5:11:17**
